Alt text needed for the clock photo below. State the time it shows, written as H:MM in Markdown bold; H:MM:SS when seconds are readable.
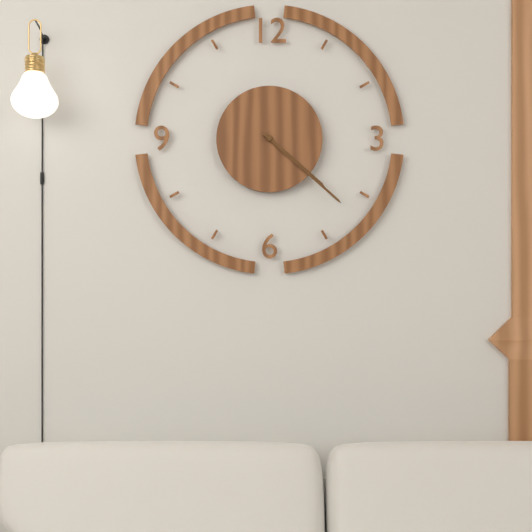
**4:22**
